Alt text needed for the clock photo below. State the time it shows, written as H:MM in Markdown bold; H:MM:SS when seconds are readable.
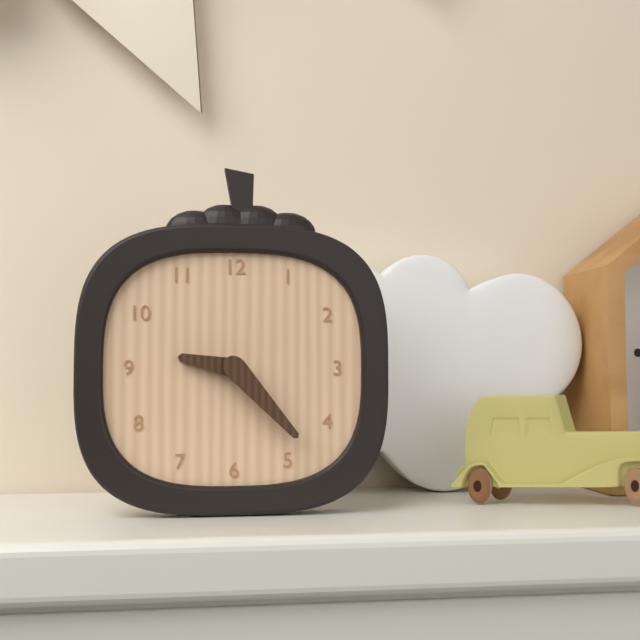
**9:23**
